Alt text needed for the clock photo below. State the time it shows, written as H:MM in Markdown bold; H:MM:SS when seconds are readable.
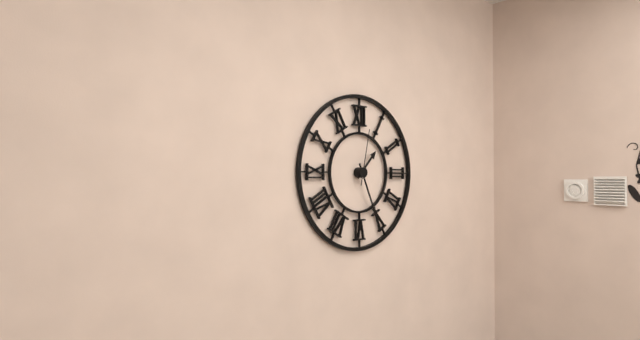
**1:26:02**
